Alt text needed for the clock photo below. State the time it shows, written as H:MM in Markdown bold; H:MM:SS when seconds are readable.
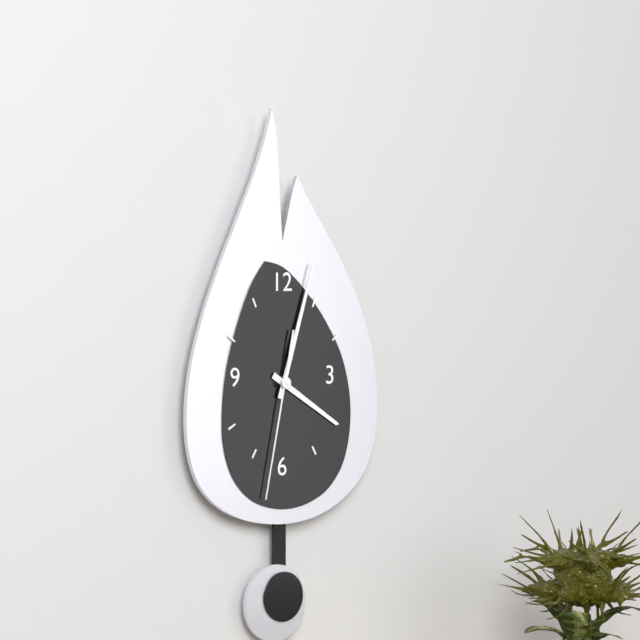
**4:03:32**
